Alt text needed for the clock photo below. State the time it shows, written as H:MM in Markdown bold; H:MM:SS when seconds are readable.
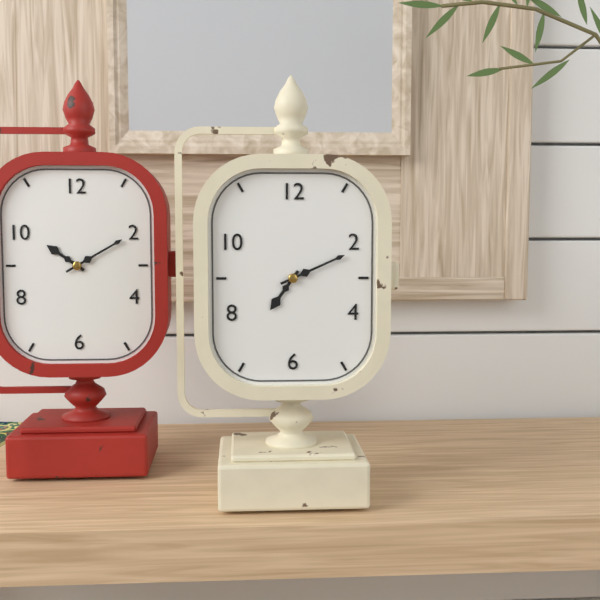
**7:11**
